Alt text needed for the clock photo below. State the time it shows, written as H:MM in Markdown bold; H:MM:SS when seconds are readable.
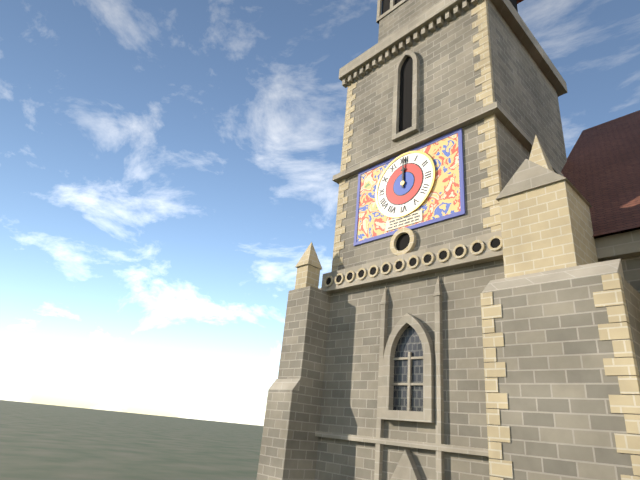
**12:00**
